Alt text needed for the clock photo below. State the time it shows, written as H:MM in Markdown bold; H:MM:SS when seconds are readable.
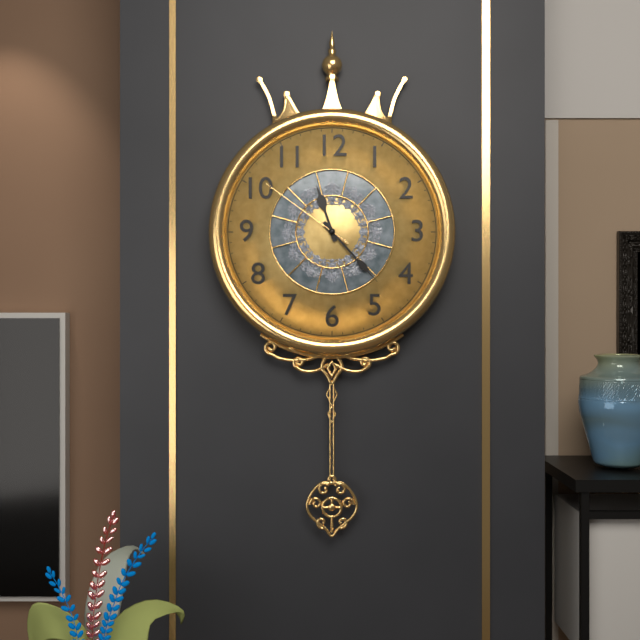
**11:23:51**
